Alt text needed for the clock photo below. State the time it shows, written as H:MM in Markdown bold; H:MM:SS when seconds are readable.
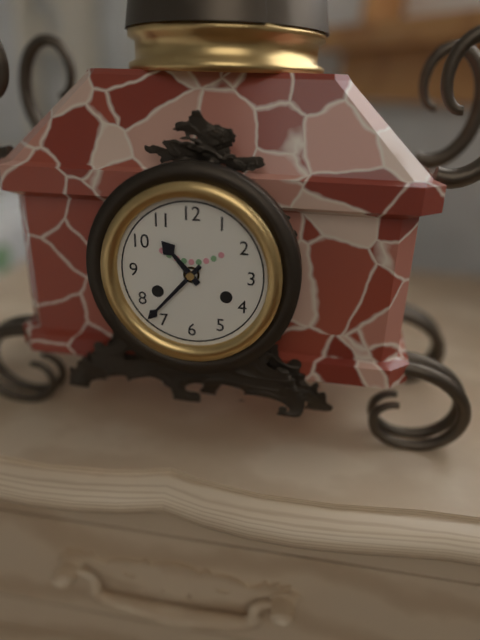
**10:37**
